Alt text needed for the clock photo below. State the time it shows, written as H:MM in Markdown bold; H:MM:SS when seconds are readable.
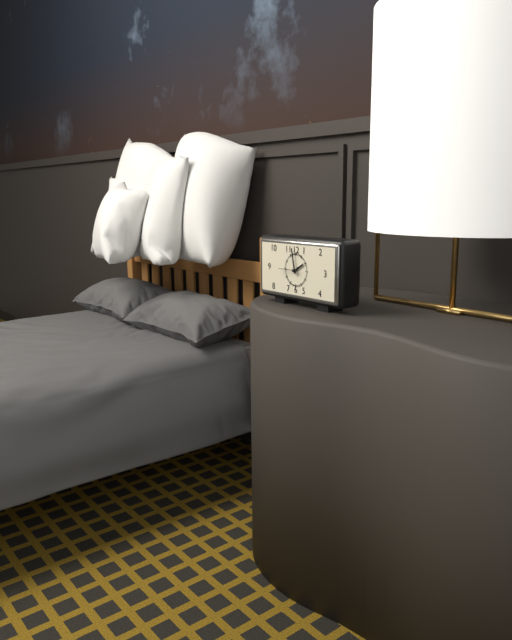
**1:58**
